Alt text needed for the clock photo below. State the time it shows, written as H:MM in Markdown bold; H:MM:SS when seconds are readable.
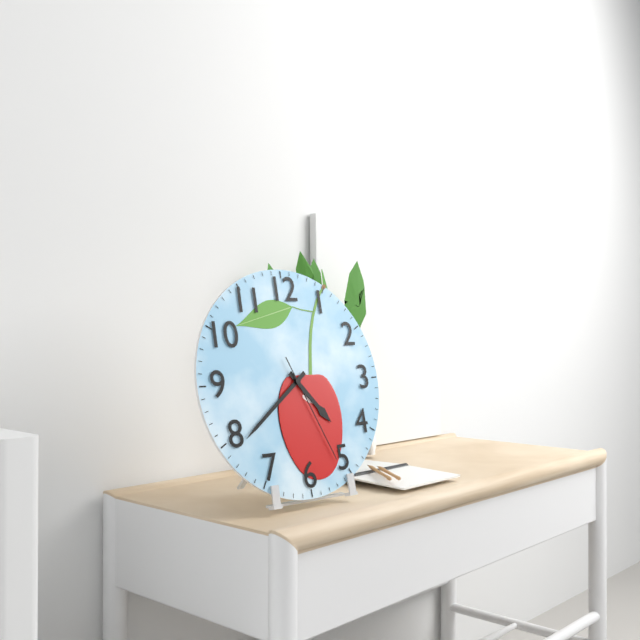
**4:39:26**
